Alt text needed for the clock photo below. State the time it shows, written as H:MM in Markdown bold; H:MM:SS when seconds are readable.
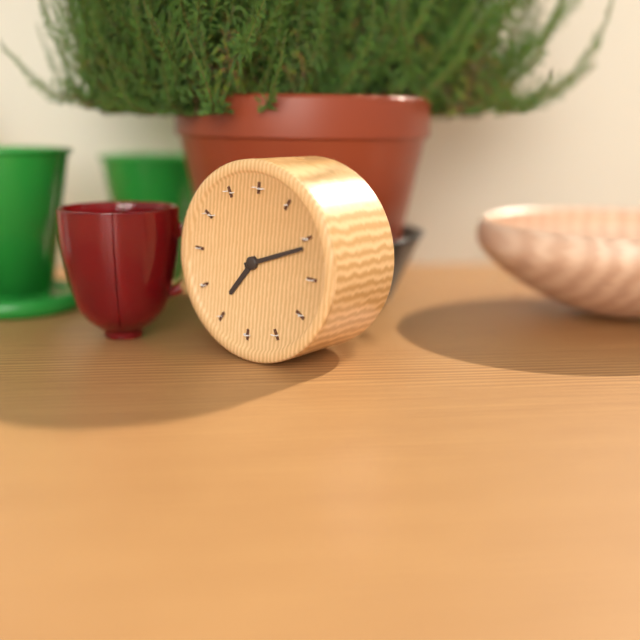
**7:11**
